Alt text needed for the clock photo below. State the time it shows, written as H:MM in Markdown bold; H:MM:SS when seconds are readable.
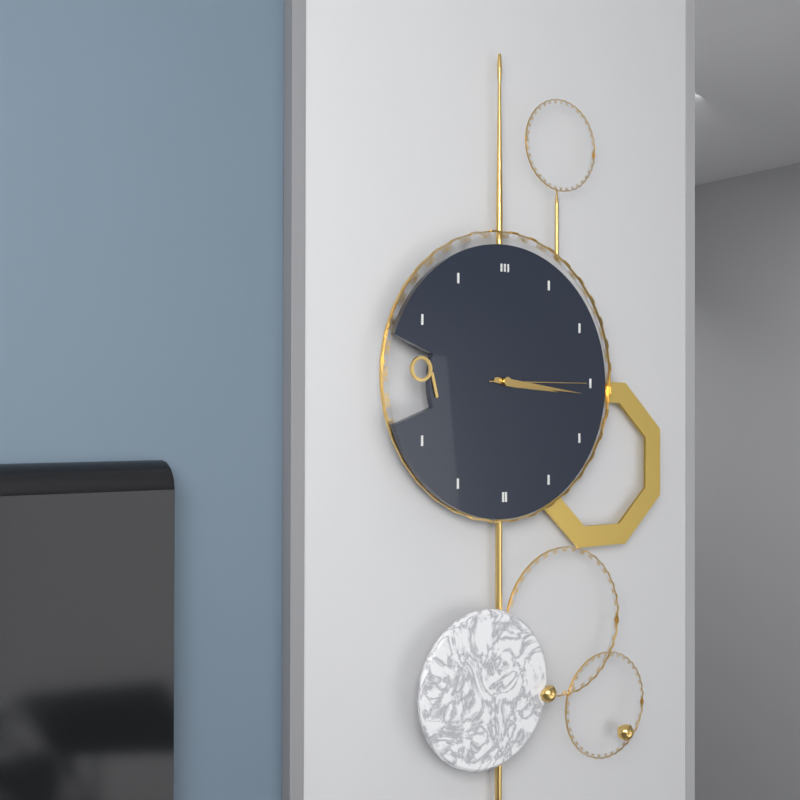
**3:16:15**
